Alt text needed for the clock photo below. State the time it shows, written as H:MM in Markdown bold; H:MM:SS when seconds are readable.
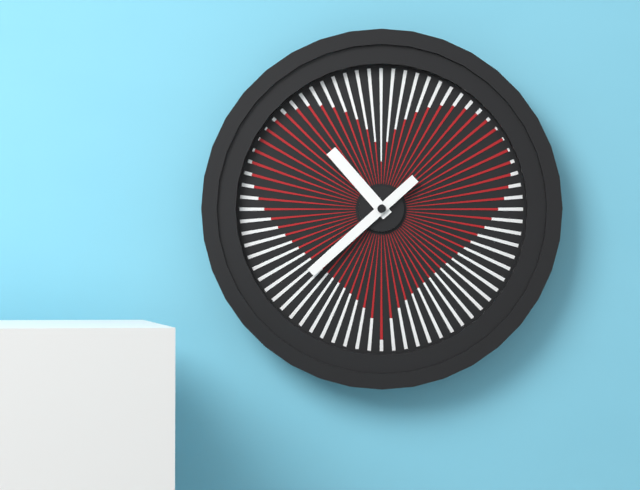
**10:38**
